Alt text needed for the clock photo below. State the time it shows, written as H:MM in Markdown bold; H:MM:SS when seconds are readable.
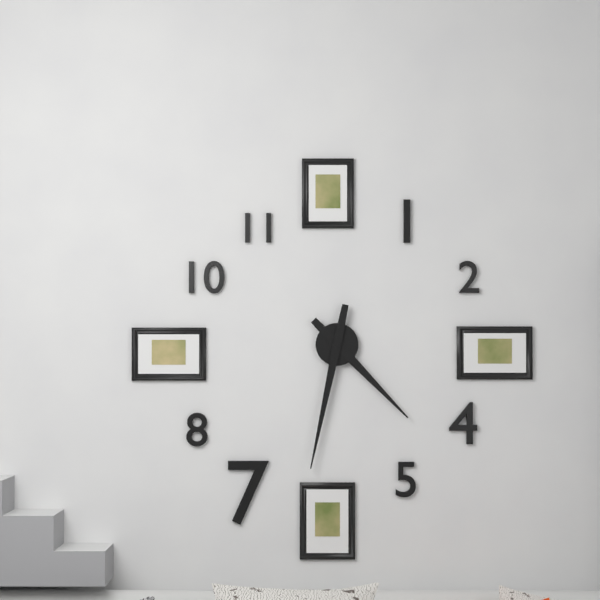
**4:32**
